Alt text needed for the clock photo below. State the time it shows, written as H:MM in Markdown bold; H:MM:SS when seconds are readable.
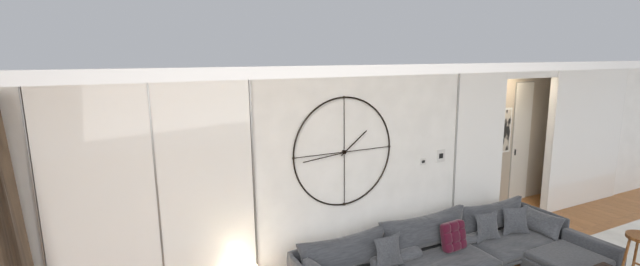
**1:44**
